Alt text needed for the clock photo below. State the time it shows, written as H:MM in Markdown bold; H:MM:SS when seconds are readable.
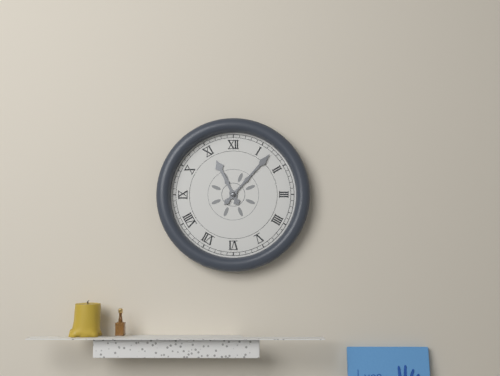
**11:07**
